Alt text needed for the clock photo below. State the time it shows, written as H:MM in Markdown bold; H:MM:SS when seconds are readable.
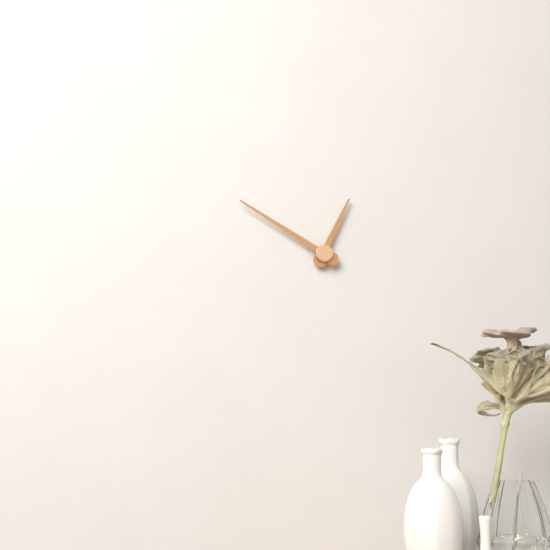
**12:50**
